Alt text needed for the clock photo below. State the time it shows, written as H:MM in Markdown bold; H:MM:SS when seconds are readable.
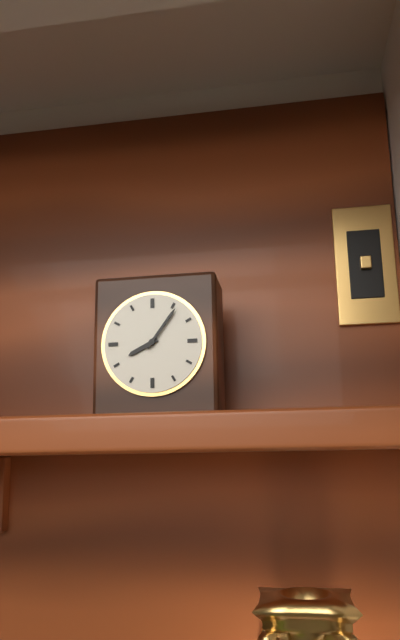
**8:06**
